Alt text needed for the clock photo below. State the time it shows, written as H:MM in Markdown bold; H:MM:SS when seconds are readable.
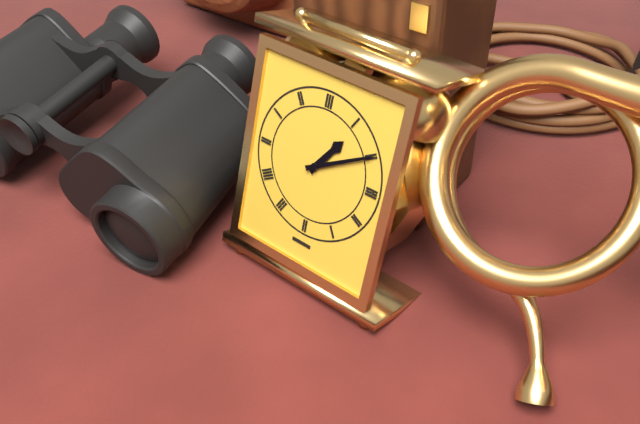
**1:10**
